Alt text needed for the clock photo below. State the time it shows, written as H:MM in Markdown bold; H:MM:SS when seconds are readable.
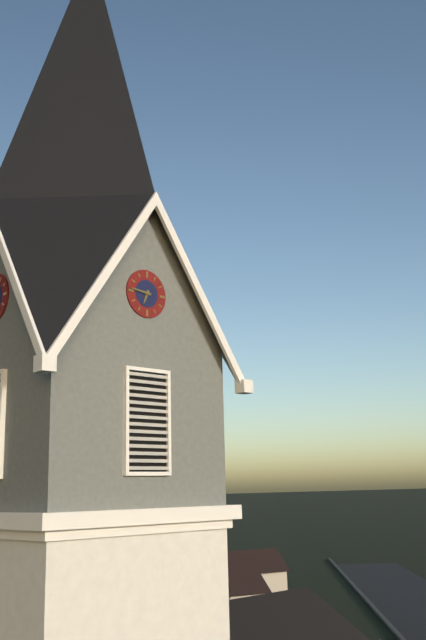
**6:46**
